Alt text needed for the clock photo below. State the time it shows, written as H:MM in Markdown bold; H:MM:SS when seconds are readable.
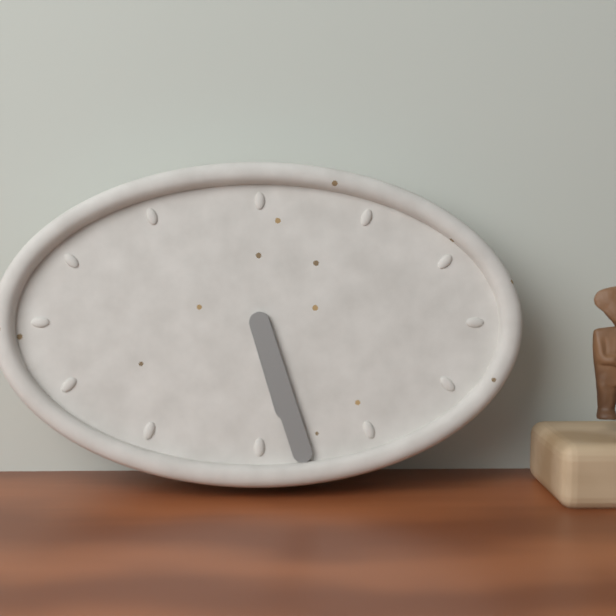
**5:27**
